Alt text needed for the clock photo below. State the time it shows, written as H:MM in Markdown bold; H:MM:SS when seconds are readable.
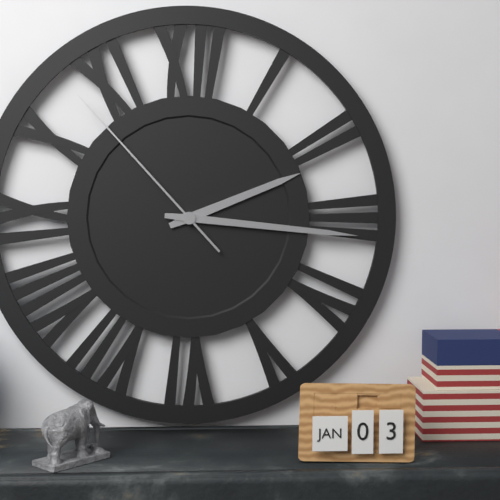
**2:16:53**
